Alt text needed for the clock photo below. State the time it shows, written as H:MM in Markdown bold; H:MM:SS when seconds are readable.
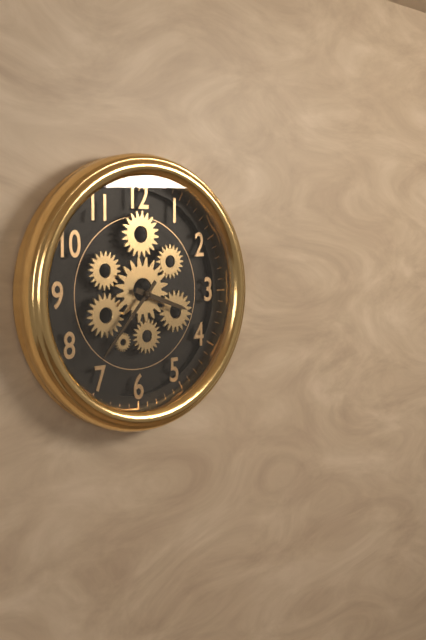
**3:37**
